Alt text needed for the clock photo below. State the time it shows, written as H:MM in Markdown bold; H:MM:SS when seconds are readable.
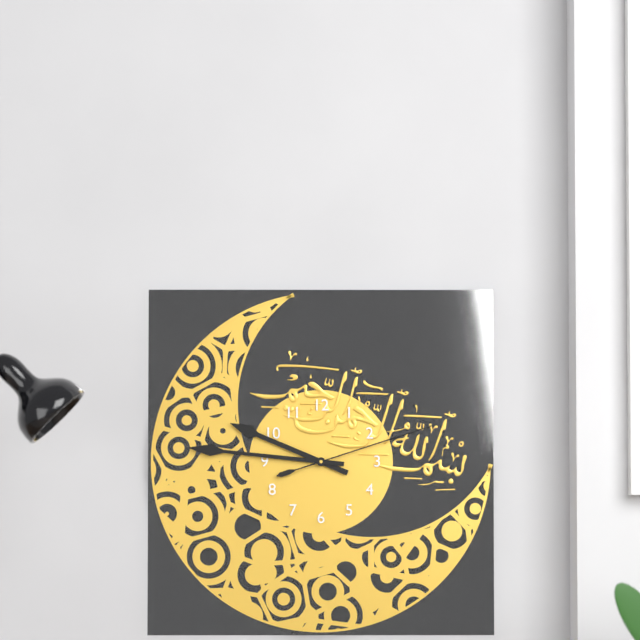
**9:46:12**
